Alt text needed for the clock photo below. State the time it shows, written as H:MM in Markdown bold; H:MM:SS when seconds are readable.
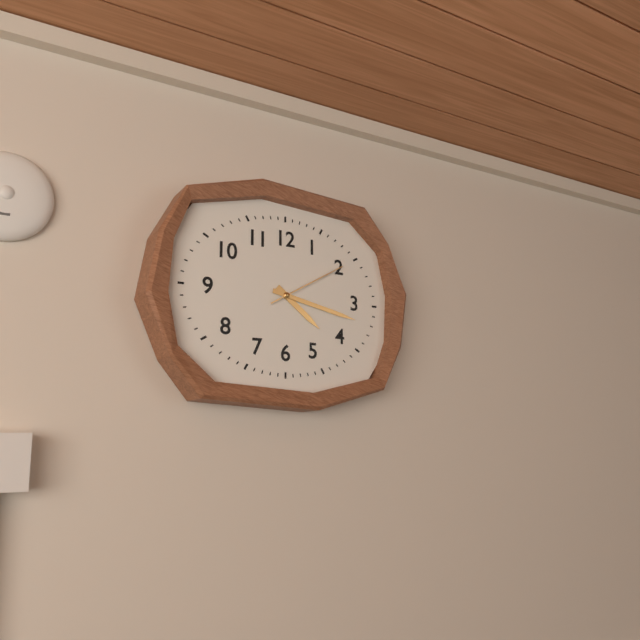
**4:17:10**
